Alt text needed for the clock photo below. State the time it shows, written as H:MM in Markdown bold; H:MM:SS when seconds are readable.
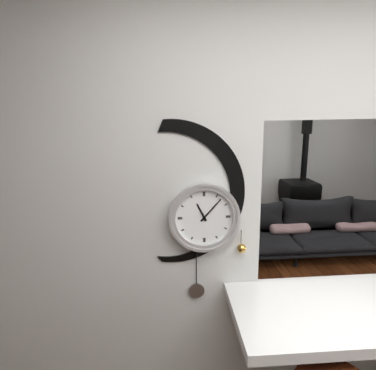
**11:07**
